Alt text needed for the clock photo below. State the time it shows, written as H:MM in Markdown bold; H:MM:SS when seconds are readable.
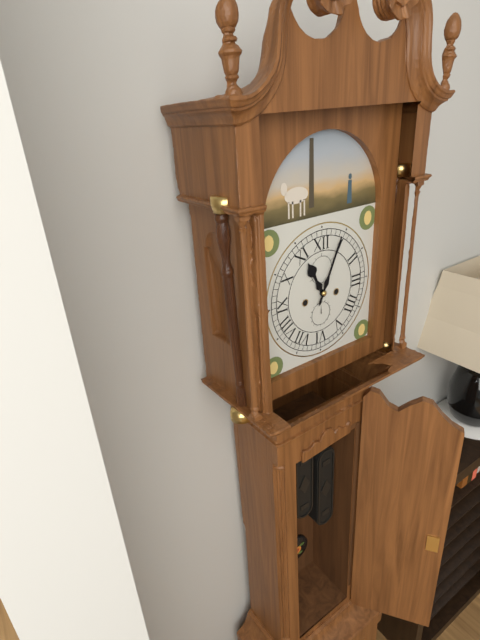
**11:04**
